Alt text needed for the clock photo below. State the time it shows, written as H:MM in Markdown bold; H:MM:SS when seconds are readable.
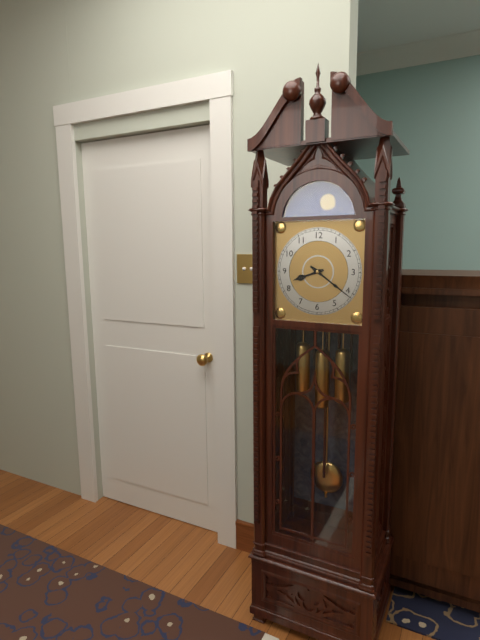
**8:21**
